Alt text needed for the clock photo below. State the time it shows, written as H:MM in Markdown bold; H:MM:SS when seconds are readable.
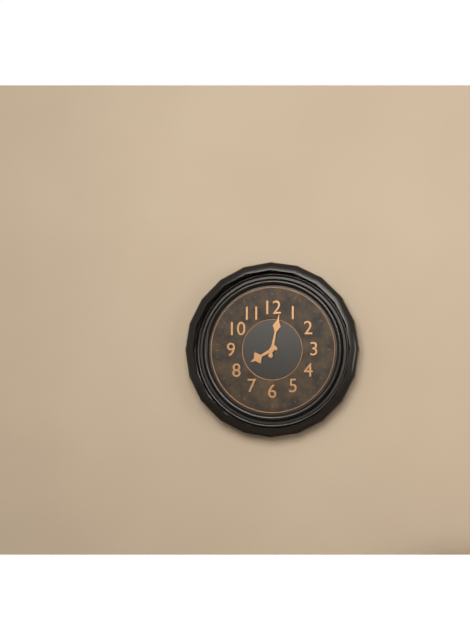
**8:02**
